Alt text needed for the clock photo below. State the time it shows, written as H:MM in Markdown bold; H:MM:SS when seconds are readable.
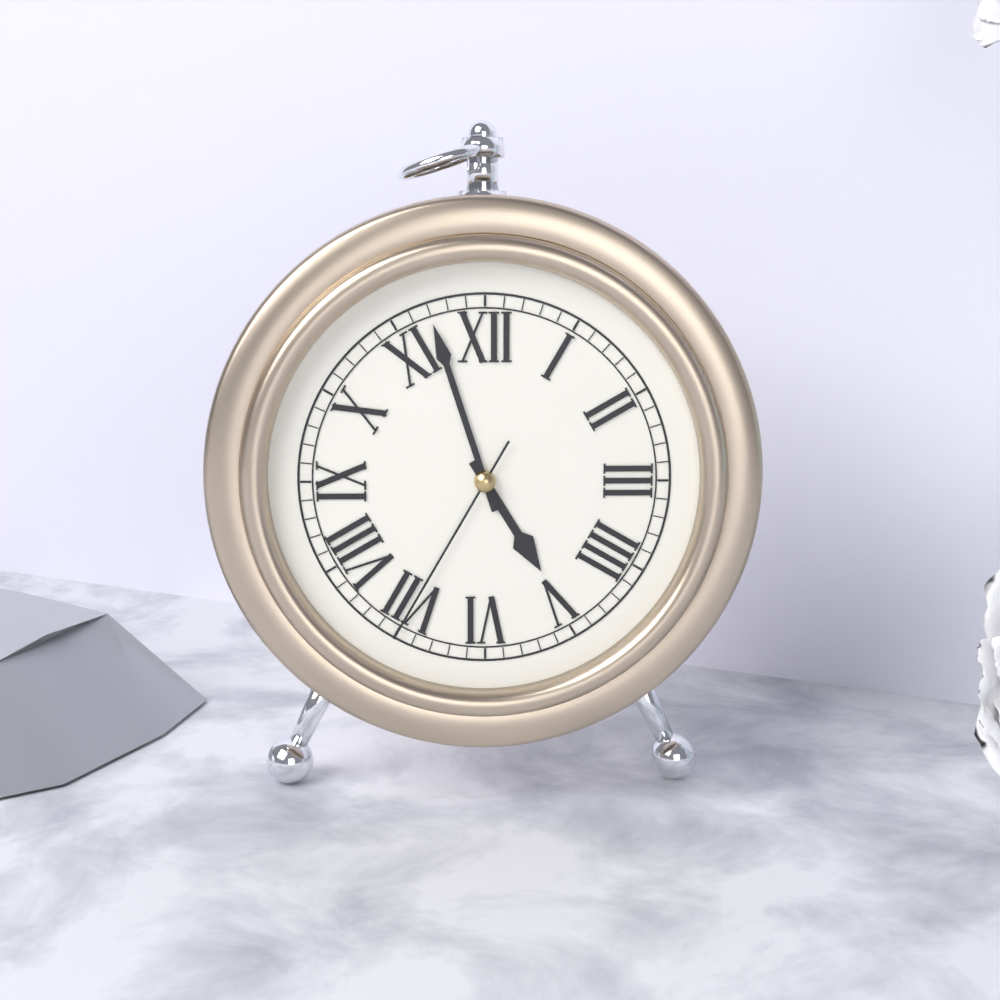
**4:57:35**
